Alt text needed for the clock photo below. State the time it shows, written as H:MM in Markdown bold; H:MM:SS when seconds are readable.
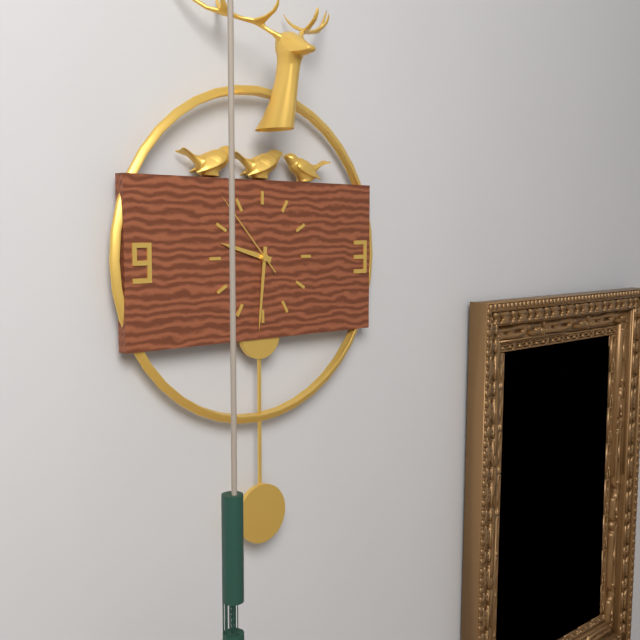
**9:31:53**
